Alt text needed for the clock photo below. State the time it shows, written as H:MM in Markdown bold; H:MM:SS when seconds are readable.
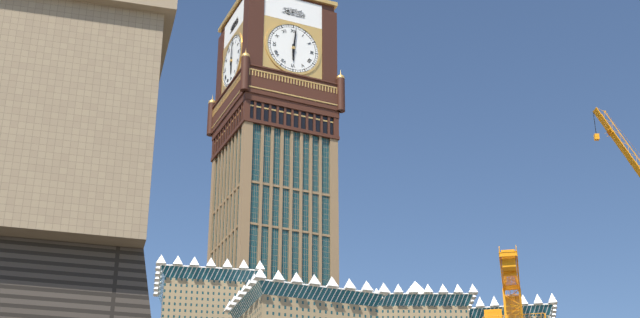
**6:01**
